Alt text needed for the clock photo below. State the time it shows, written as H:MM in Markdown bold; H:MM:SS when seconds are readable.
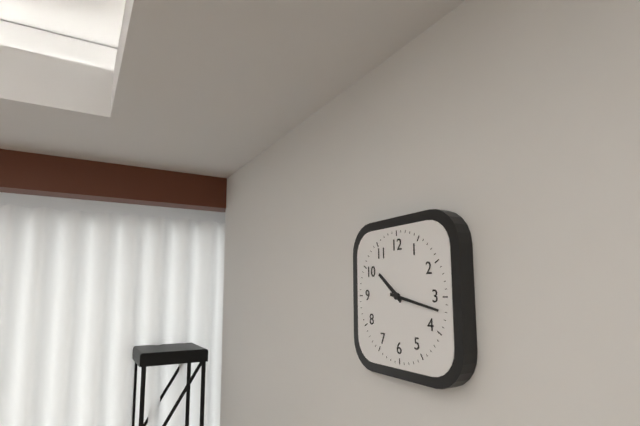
**10:17**
